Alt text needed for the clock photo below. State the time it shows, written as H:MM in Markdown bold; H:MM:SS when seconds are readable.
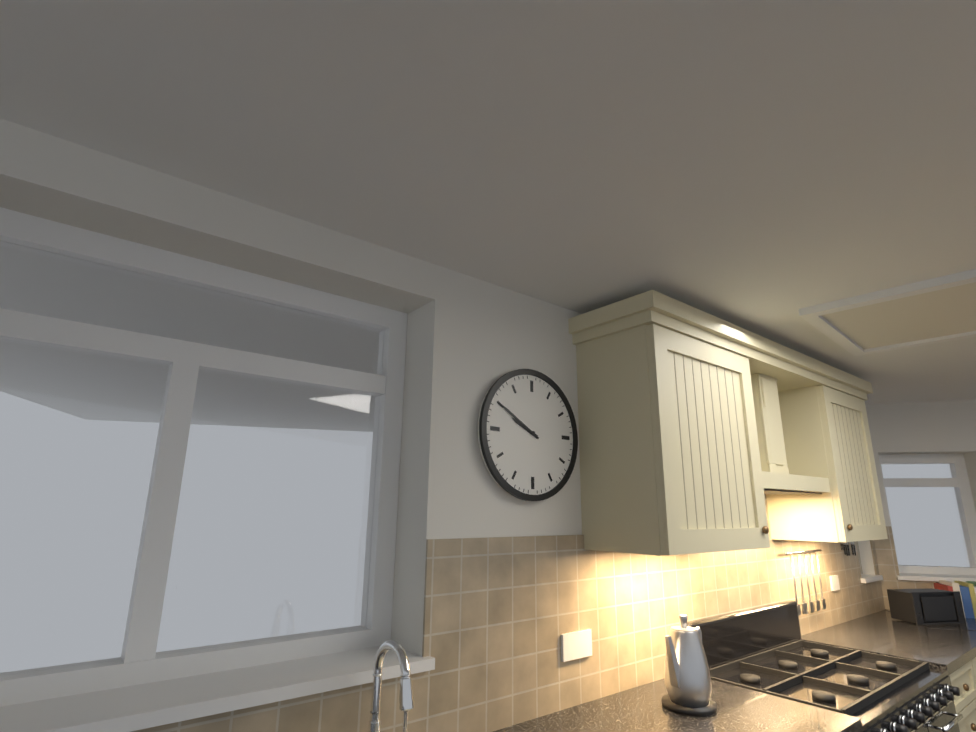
**9:50**
